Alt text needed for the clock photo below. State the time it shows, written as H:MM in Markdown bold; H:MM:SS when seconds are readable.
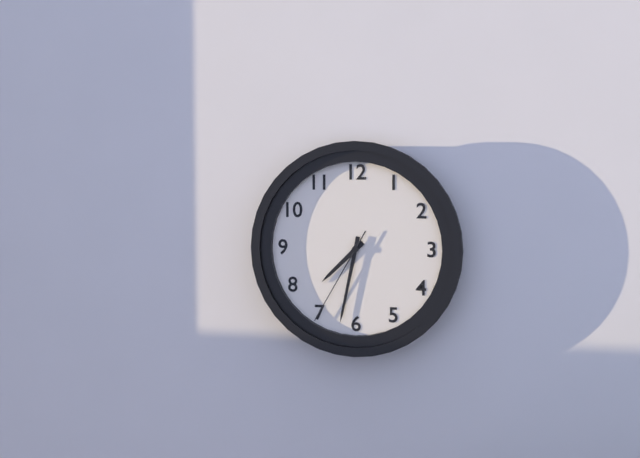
**7:32:35**
